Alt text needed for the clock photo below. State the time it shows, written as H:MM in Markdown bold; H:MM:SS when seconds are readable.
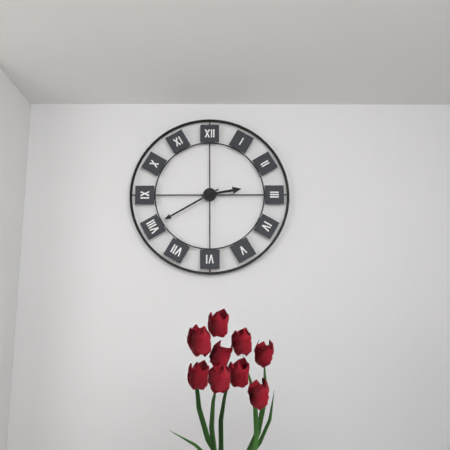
**2:40**
